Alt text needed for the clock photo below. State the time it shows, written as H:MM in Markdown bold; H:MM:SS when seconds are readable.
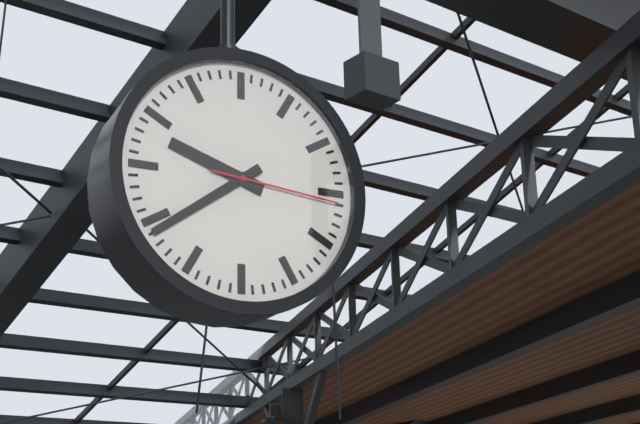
**9:39:16**
